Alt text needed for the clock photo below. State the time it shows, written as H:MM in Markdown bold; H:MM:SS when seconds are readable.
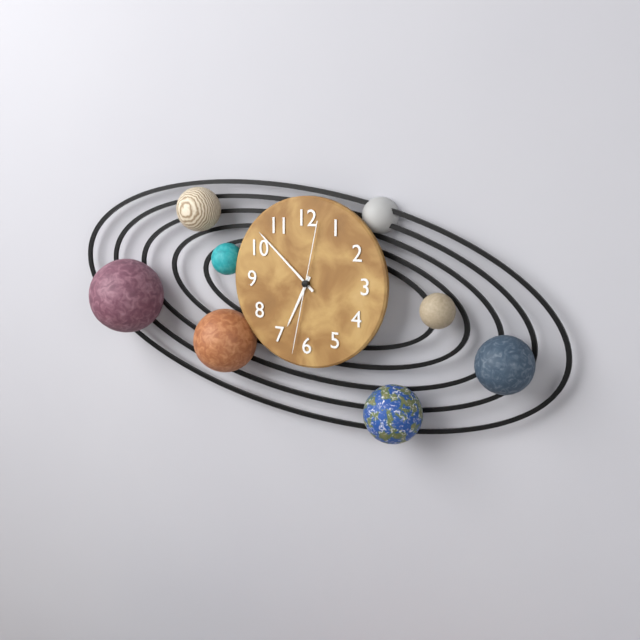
**6:52:32**
